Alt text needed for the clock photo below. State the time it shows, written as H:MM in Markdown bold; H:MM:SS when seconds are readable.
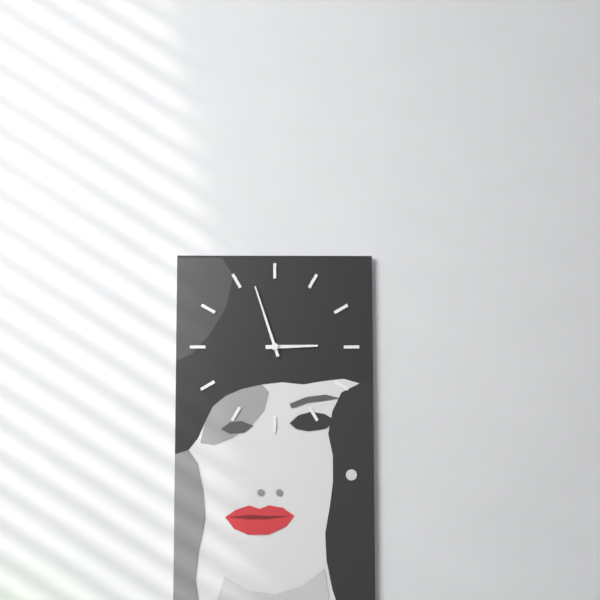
**2:57**
